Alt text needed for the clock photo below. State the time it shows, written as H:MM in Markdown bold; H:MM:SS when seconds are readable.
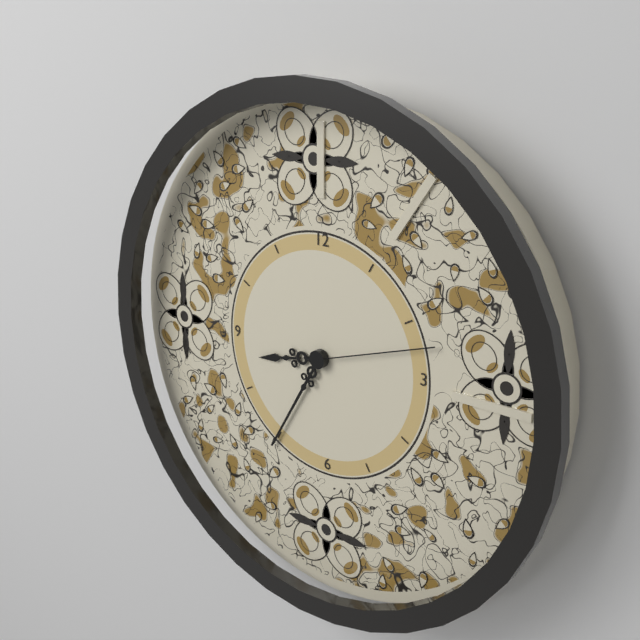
**8:35:12**
